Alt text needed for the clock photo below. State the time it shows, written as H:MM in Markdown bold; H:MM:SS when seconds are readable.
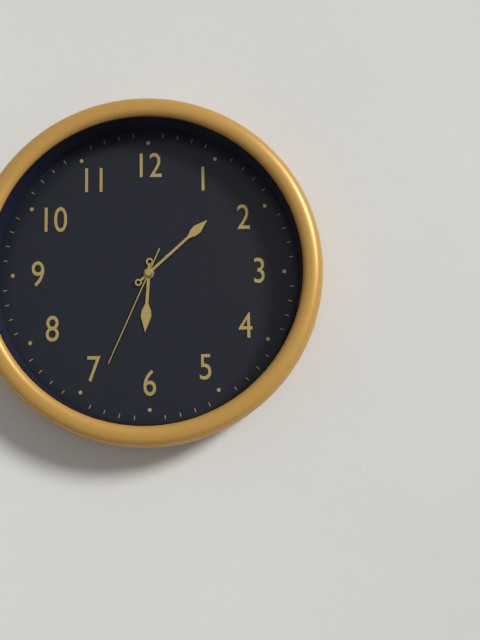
**6:08:34**
